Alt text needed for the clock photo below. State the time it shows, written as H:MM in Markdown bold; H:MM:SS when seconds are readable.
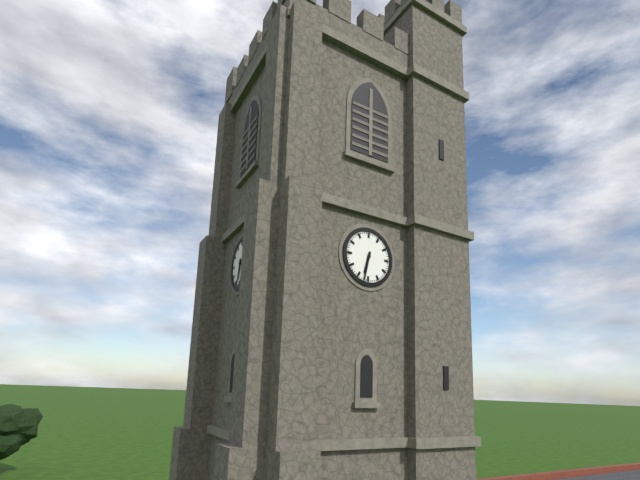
**6:32**
